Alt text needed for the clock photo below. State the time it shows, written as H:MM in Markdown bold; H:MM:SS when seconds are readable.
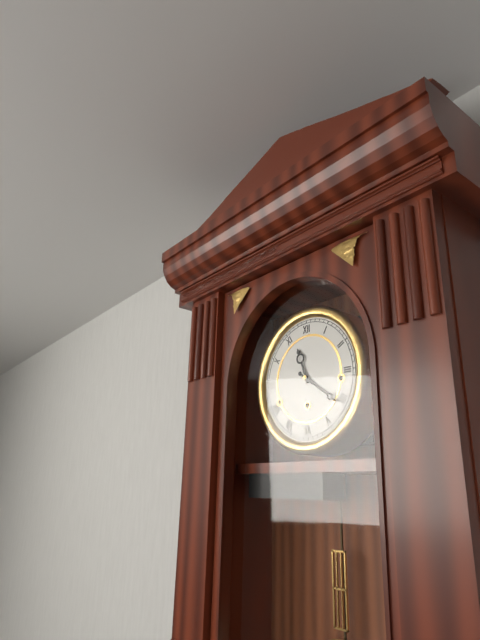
**11:21**
